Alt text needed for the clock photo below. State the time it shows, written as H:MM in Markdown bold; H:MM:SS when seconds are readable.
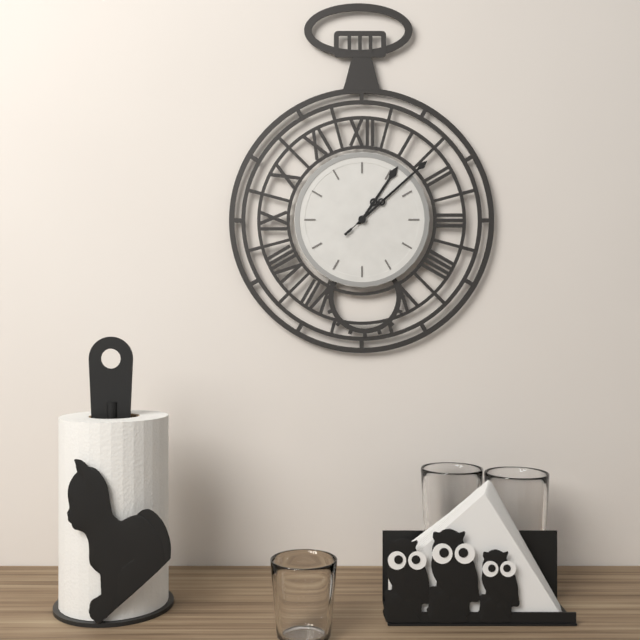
**1:08:08**
